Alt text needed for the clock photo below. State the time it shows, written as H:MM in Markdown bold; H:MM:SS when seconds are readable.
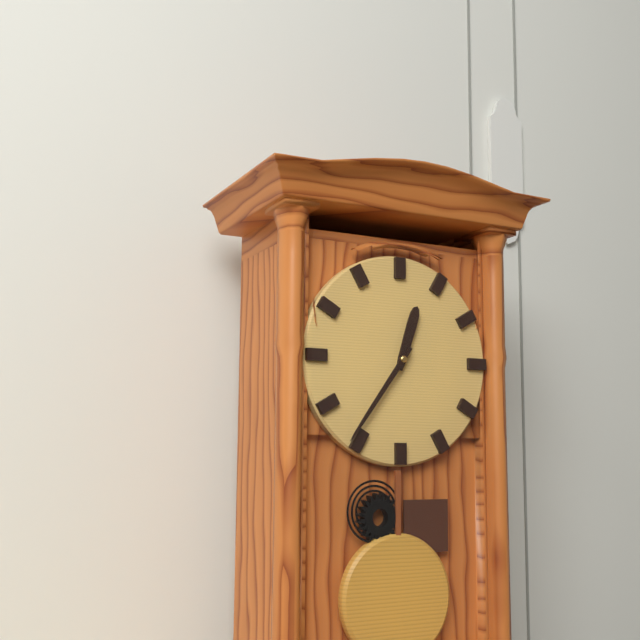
**12:36**
